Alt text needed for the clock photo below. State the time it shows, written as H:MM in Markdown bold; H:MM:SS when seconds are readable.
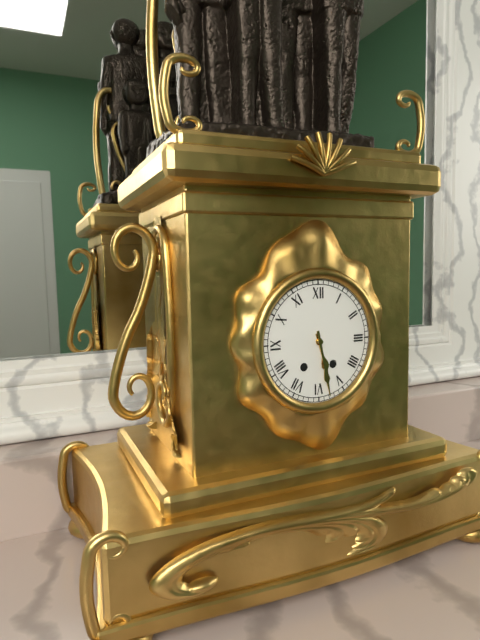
**5:28**
